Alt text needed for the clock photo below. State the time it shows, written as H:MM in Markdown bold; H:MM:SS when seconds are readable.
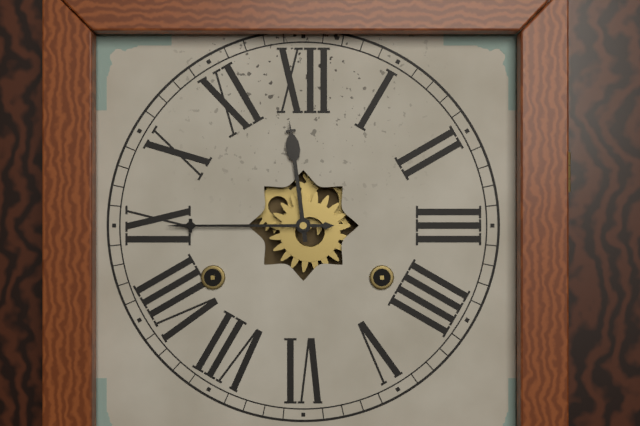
**11:45**
